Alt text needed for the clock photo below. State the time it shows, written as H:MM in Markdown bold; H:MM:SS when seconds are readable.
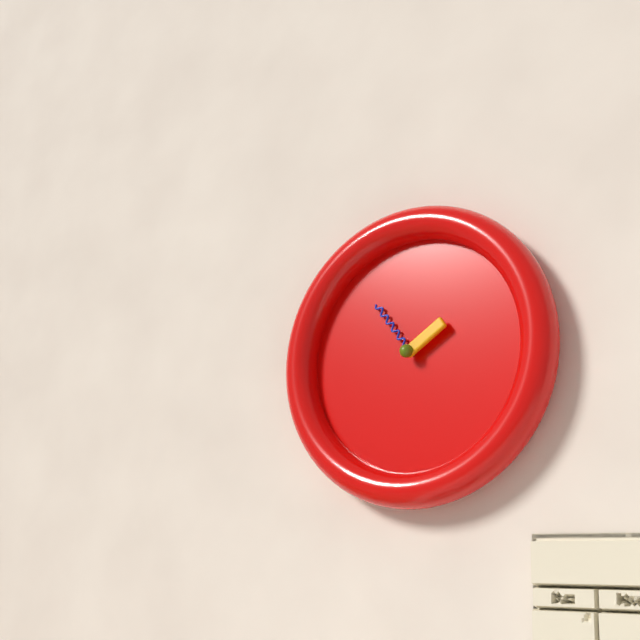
**1:54**
